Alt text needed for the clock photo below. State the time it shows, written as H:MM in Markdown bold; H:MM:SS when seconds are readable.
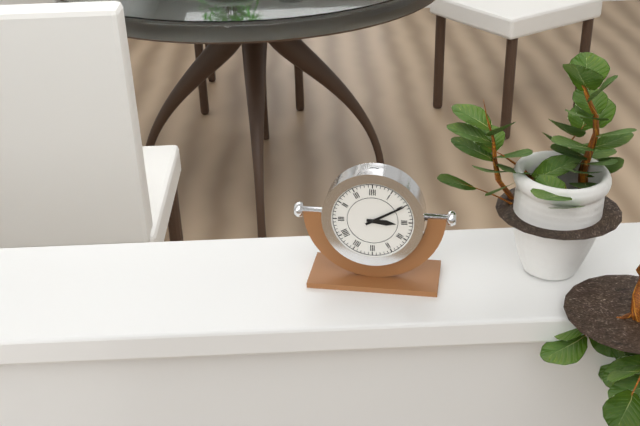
**3:10**
